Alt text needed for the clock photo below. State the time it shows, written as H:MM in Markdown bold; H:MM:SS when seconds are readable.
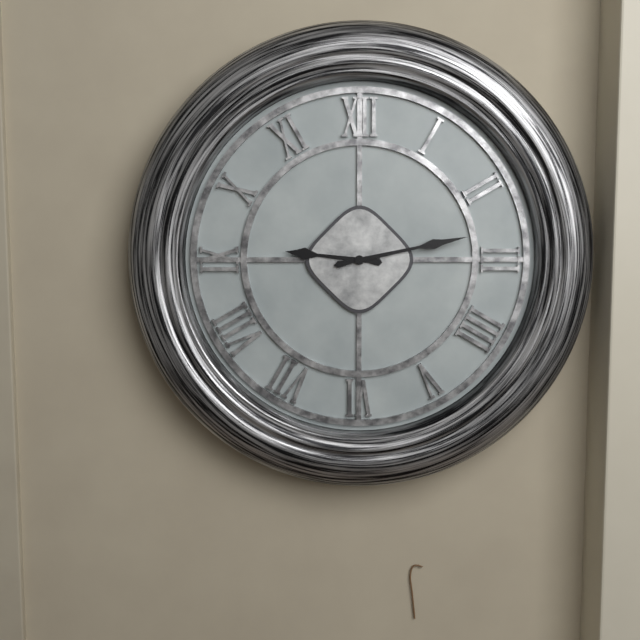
**9:13**
